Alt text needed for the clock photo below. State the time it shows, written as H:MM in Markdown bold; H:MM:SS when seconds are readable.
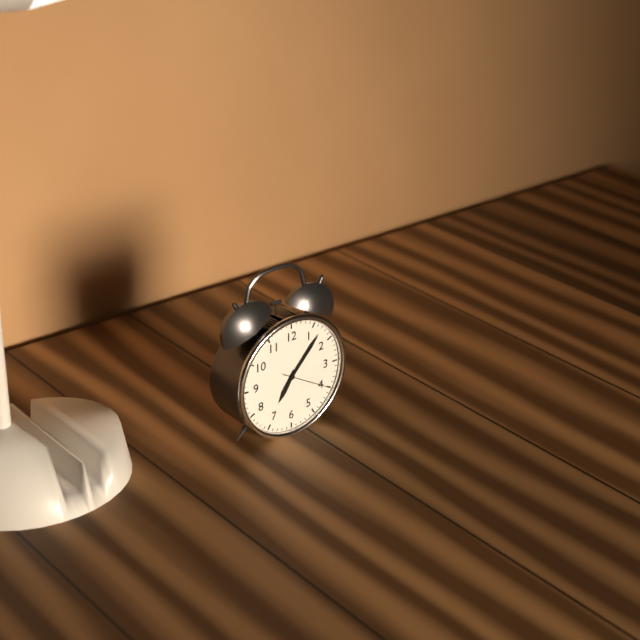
**7:07**
